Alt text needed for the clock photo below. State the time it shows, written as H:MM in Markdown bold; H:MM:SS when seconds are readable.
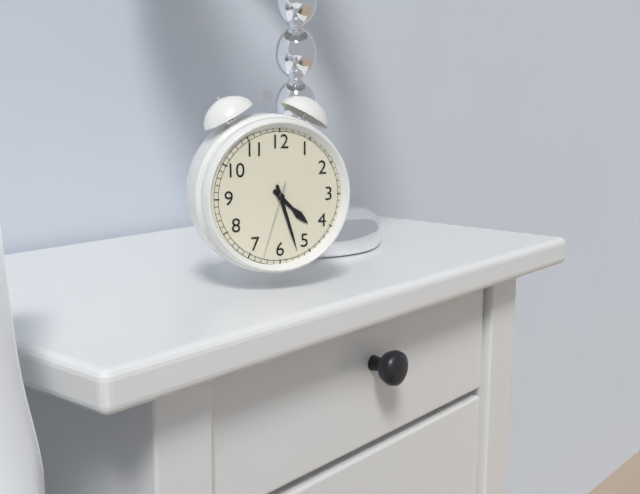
**4:27:33**
